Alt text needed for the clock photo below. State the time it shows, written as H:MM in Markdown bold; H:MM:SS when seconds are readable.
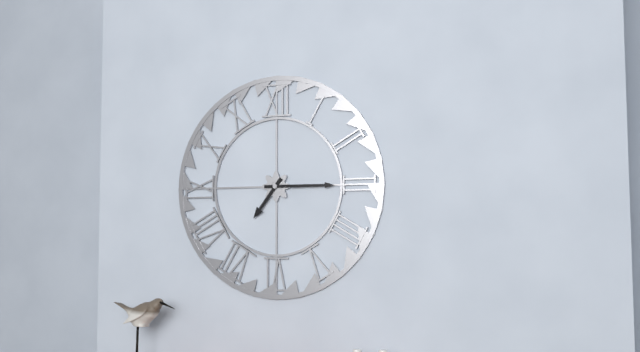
**7:15**
